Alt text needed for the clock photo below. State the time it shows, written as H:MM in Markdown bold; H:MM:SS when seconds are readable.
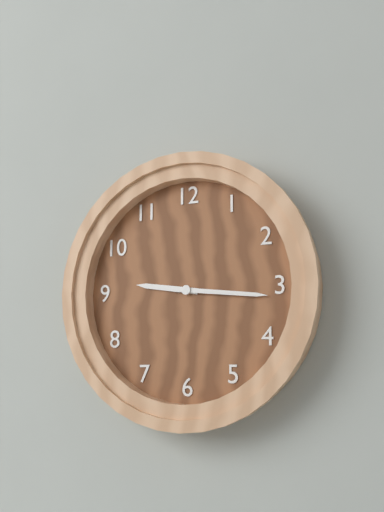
**9:16**
